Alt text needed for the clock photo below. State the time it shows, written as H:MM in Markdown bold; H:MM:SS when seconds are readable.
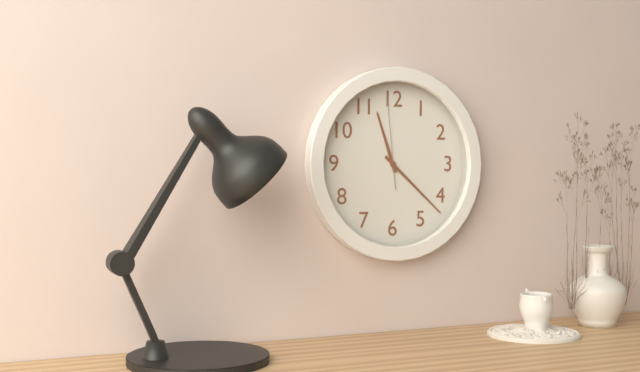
**11:22:59**
